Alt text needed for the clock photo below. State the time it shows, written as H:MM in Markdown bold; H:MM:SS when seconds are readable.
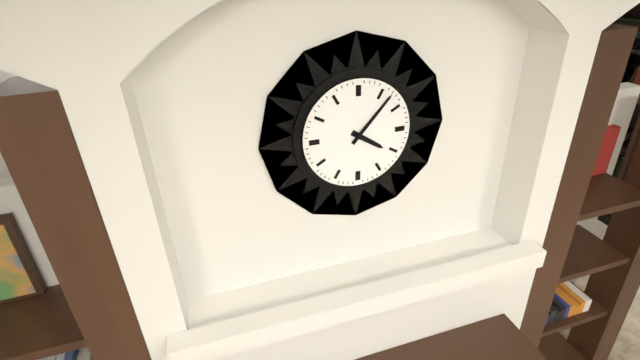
**4:07**
